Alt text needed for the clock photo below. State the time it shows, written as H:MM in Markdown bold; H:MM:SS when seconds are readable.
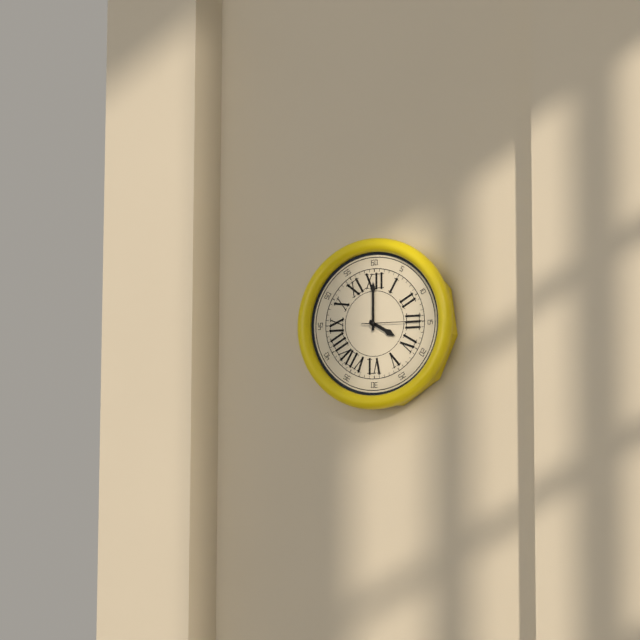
**4:00**
